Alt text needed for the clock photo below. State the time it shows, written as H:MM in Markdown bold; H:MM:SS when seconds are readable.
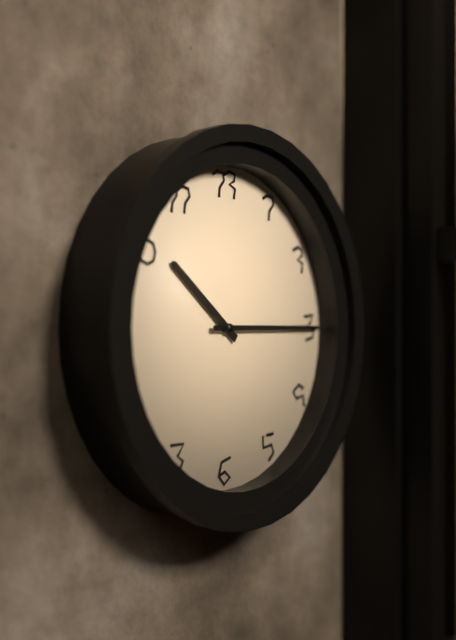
**10:15**
